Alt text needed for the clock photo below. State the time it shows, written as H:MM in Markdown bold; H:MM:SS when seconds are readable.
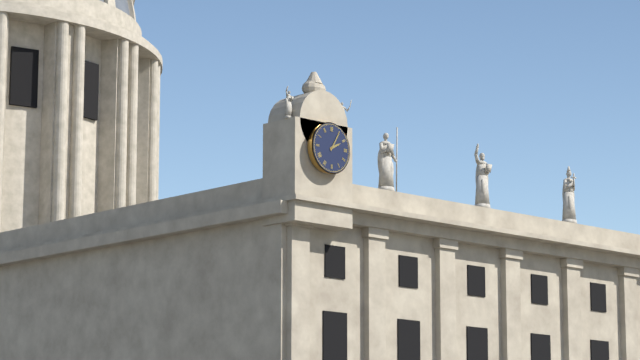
**2:05**
